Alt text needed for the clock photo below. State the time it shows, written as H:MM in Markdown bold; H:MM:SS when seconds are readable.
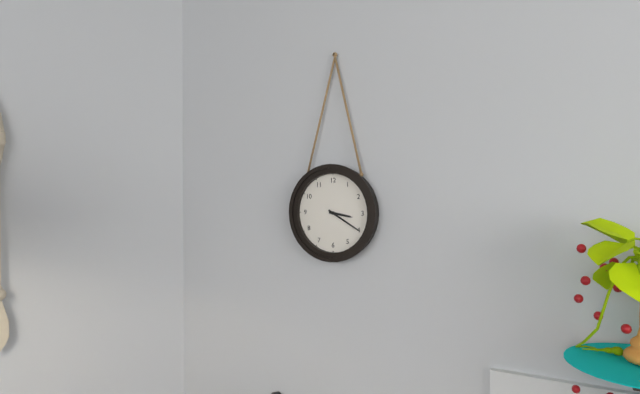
**3:20**
